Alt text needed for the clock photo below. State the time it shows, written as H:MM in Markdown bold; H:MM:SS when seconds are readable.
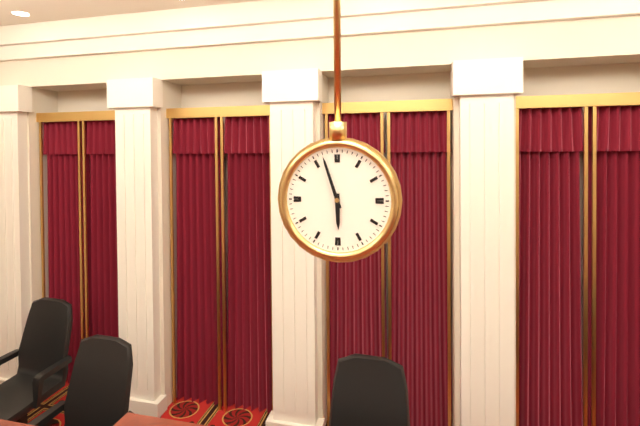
**5:57**
